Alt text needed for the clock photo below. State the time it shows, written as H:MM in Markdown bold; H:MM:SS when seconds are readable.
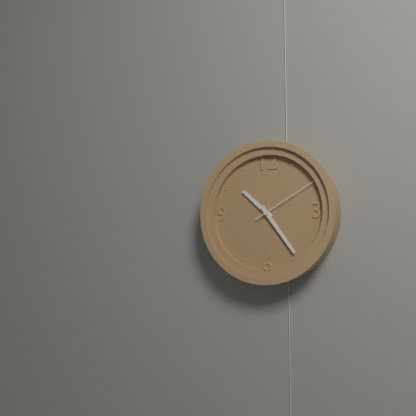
**10:24:10**
